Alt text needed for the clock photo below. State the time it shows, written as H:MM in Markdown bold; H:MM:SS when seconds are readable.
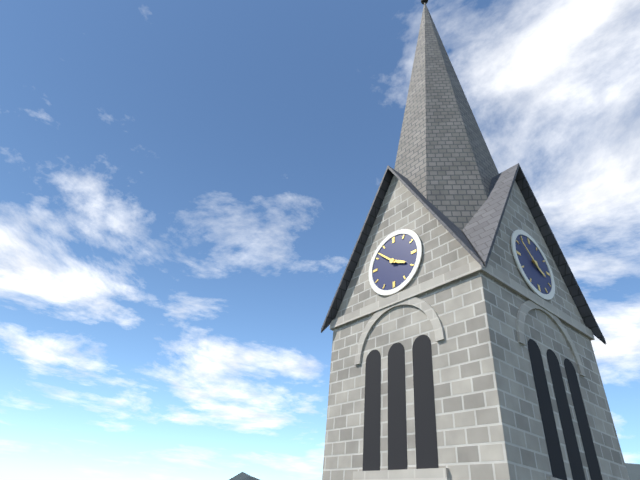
**3:52**
